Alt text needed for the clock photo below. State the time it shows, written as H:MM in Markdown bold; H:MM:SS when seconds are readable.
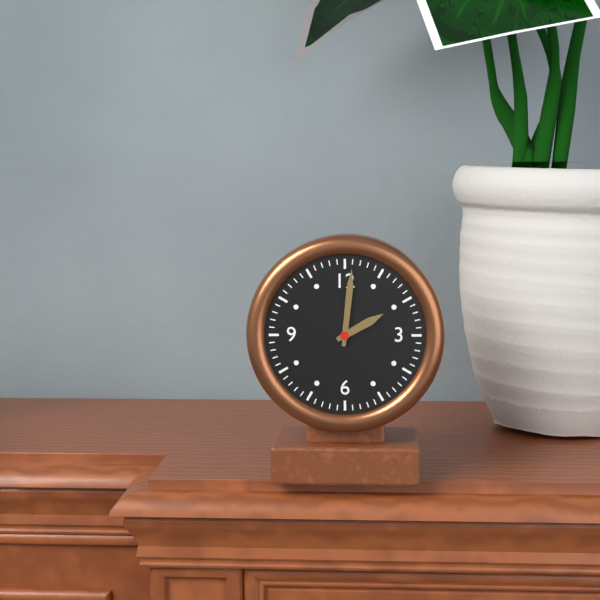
**2:01**
